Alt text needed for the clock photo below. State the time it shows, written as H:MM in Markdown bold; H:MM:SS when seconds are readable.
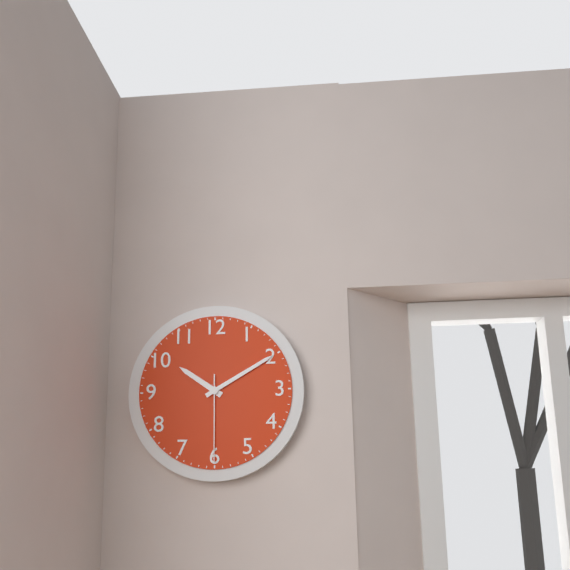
**10:10:30**
